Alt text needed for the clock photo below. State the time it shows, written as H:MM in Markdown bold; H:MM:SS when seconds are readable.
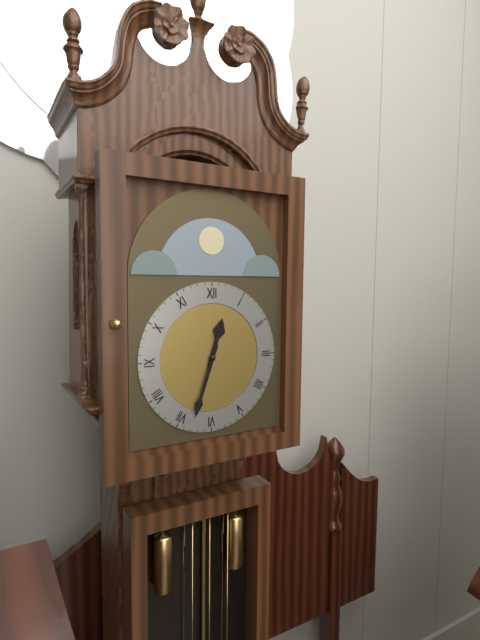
**12:33**
